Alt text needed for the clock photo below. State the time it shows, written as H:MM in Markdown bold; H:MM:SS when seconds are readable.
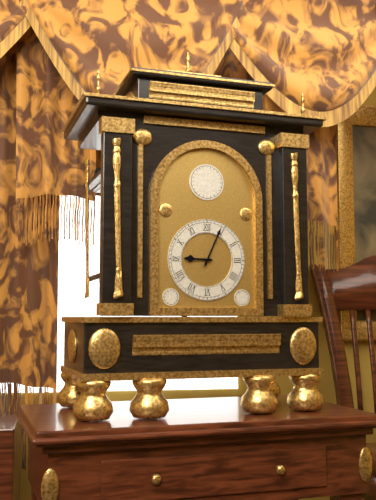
**9:04**
